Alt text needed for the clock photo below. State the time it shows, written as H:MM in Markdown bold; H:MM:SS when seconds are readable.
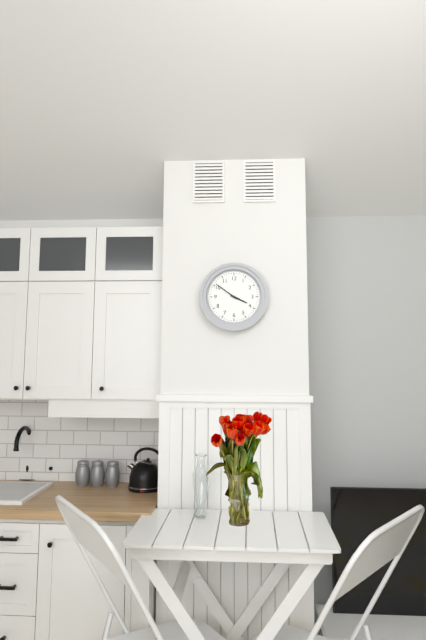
**3:51**
